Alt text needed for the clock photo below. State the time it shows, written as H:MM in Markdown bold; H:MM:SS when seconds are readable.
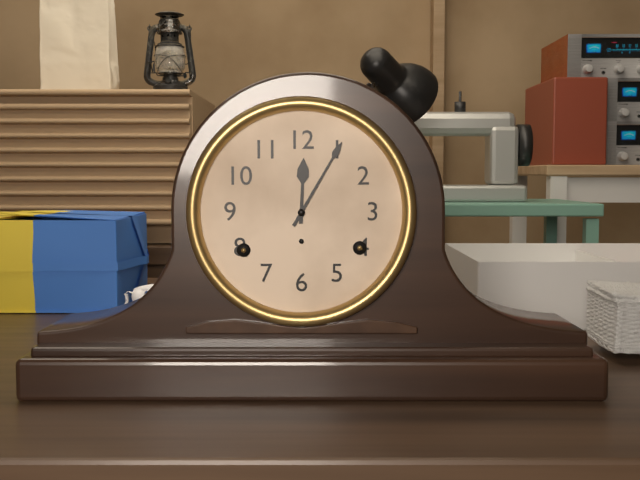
**12:05**
